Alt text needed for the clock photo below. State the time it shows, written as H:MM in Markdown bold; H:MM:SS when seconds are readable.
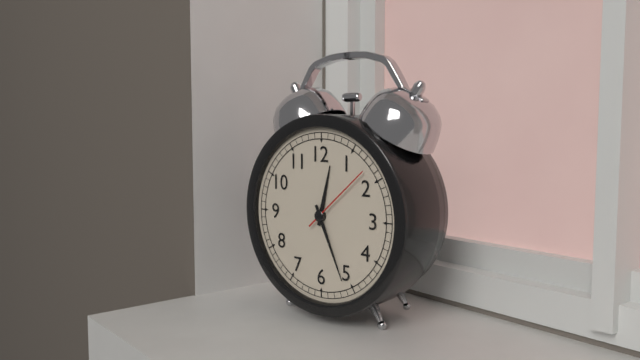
**12:26:08**
